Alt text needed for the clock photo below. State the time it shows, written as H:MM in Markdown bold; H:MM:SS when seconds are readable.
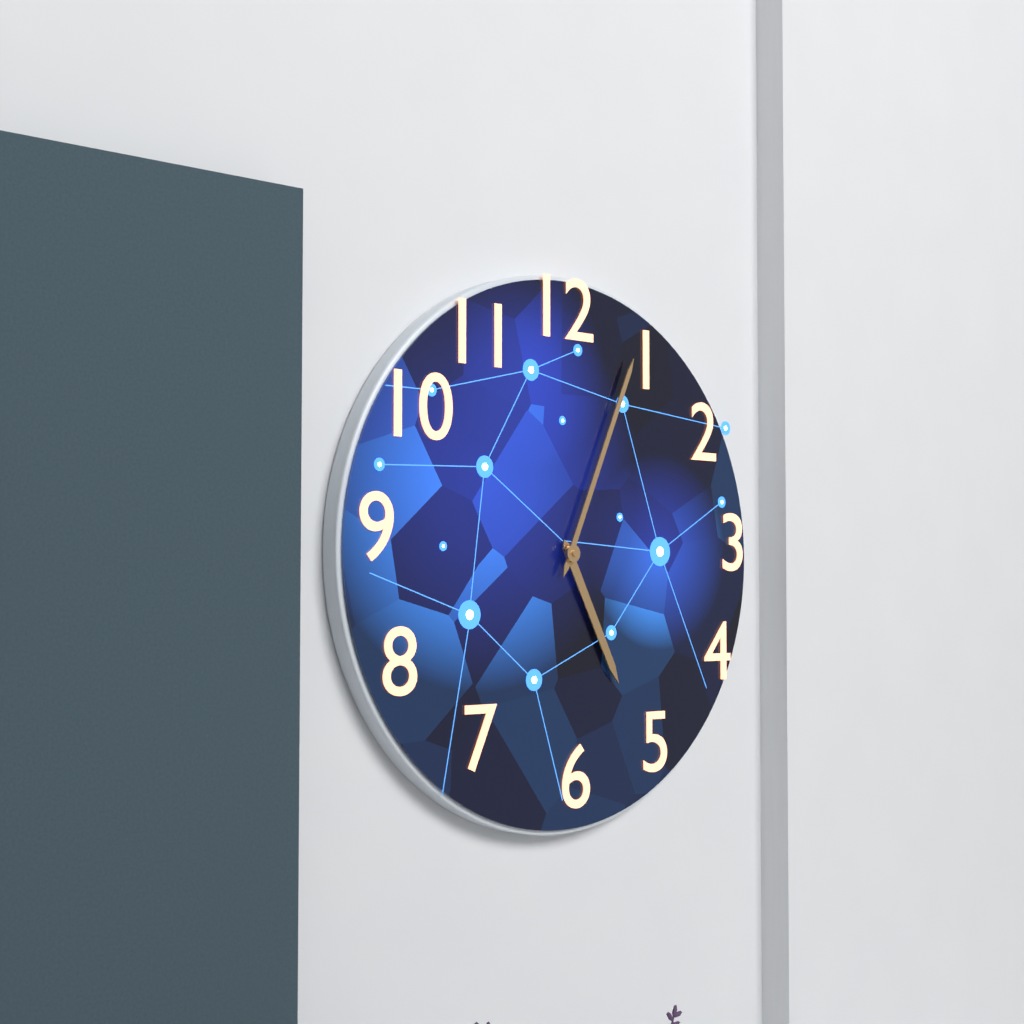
**5:04**
